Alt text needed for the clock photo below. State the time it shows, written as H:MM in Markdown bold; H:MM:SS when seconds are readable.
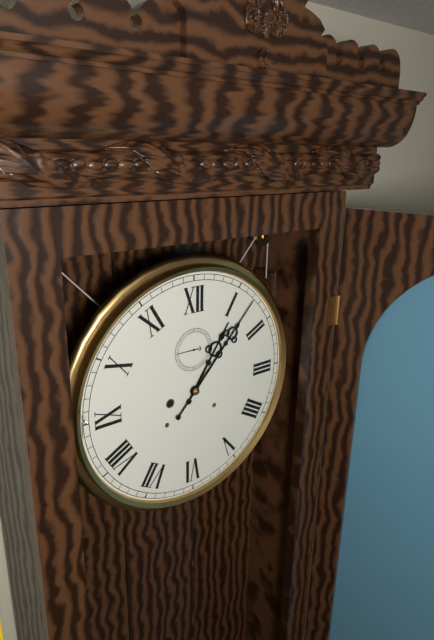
**1:07**
